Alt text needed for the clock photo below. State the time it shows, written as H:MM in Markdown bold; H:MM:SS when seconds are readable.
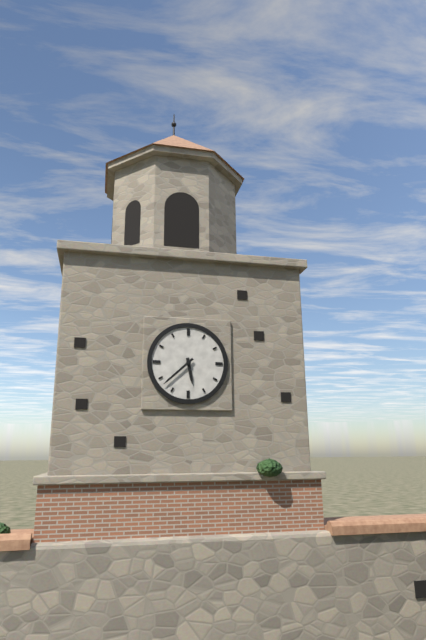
**5:38**
